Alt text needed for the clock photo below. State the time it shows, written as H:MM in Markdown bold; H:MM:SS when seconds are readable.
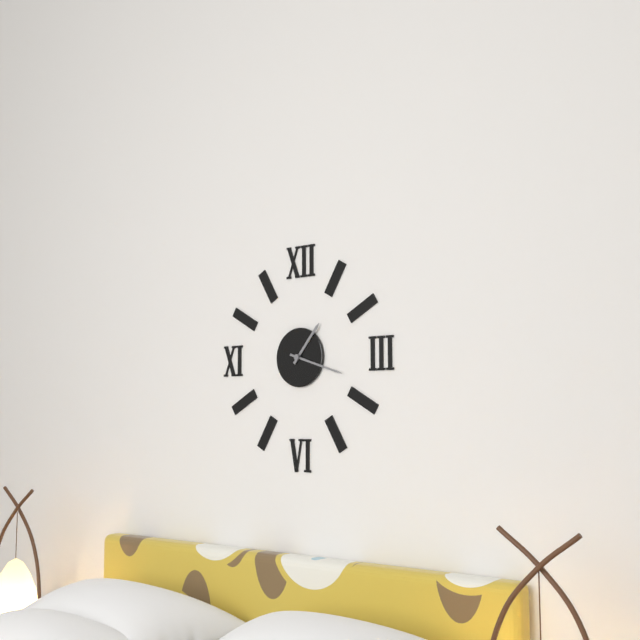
**1:18**
